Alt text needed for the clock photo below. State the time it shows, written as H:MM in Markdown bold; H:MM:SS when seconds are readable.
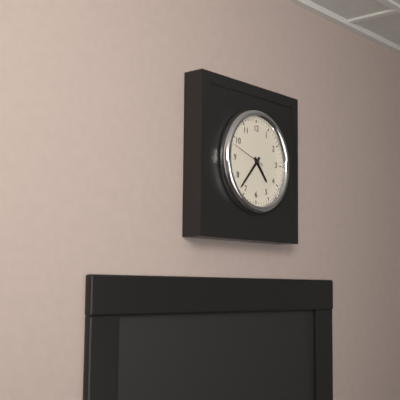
**4:37**
